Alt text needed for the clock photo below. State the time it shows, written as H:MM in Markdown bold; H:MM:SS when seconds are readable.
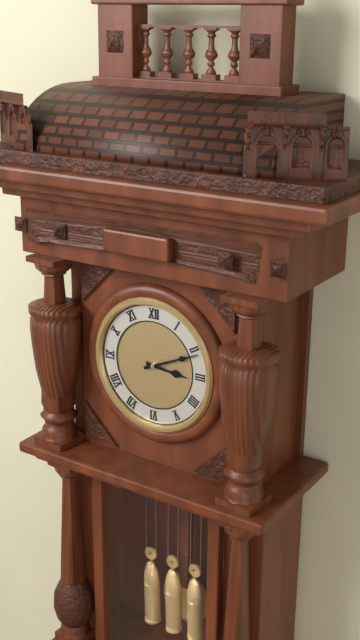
**3:11**
